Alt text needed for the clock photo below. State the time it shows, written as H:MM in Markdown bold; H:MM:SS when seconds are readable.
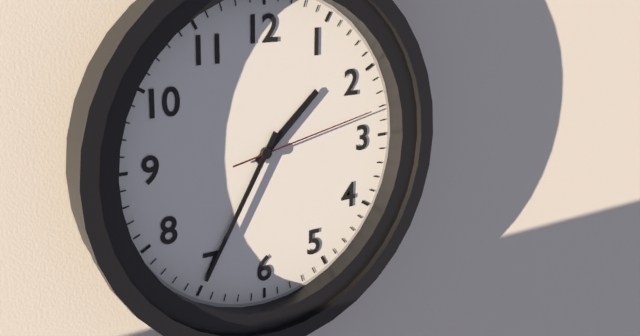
**1:35:13**
